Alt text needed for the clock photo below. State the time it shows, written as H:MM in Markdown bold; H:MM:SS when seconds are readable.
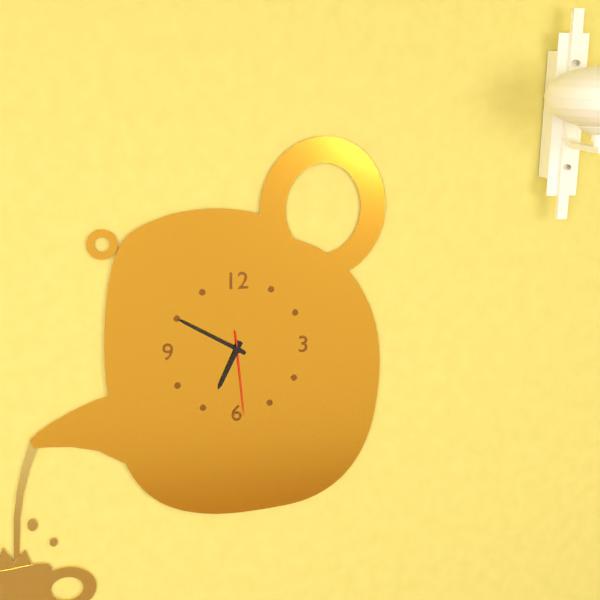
**6:50:29**
